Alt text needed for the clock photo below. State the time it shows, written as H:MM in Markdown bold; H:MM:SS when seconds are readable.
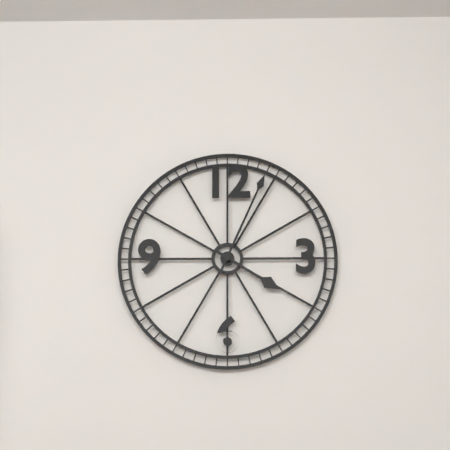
**4:04**
